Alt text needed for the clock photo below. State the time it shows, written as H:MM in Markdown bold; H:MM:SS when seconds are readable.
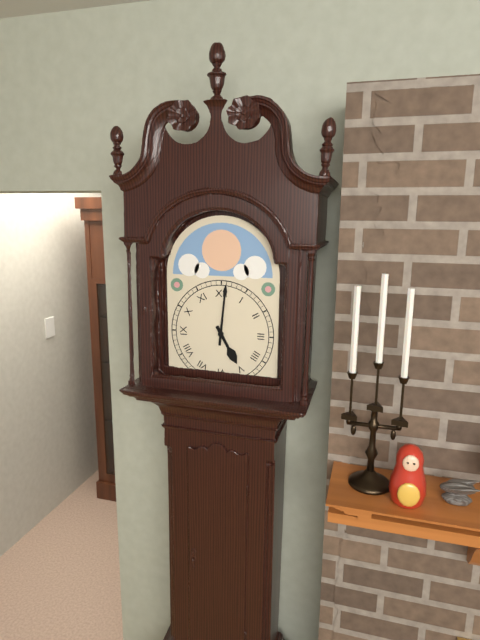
**5:01**
